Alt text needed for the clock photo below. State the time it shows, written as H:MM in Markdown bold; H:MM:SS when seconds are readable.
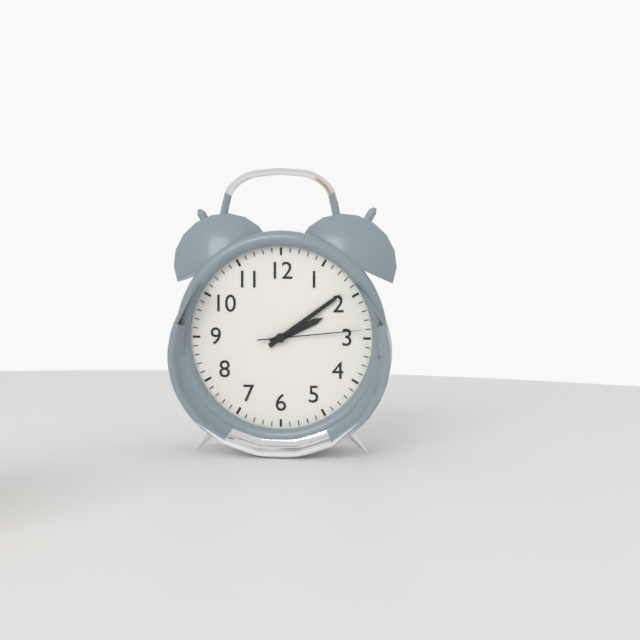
**2:09:14**
